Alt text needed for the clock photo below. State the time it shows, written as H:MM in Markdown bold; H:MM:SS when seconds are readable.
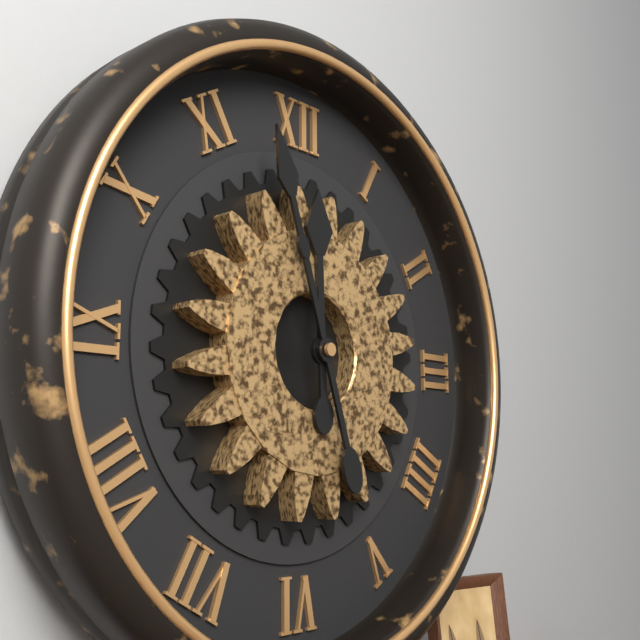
**11:57**
